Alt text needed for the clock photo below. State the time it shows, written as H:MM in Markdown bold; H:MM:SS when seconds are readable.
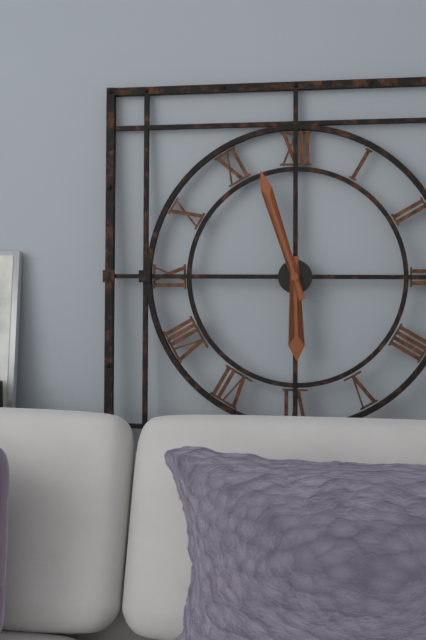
**5:57**
